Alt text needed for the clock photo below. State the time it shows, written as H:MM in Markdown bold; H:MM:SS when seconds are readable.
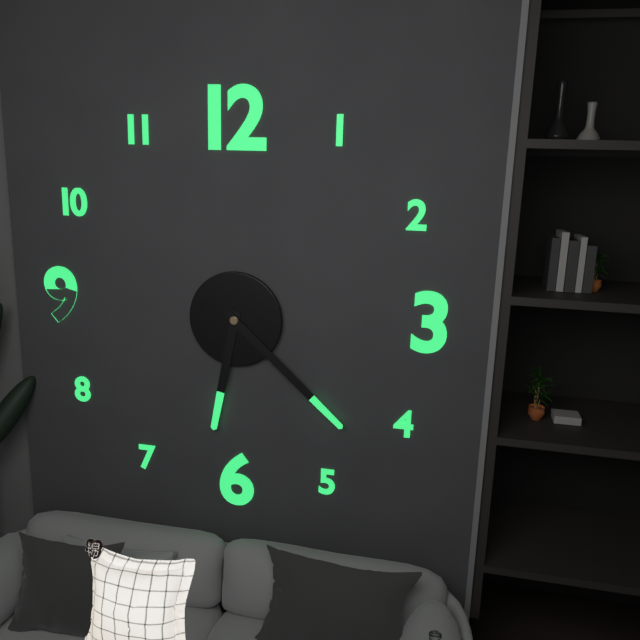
**6:22**
